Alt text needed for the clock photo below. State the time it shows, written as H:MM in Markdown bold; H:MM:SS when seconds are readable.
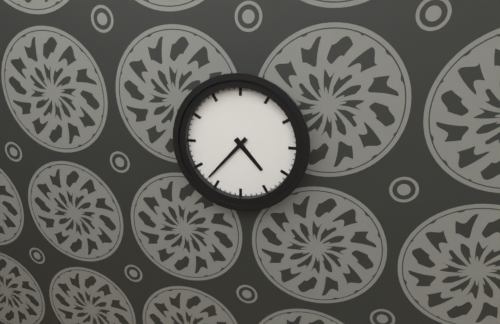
**4:37**
